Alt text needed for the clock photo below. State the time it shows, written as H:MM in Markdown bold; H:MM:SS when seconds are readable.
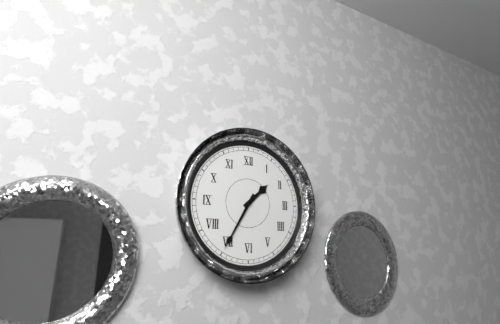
**1:35**
